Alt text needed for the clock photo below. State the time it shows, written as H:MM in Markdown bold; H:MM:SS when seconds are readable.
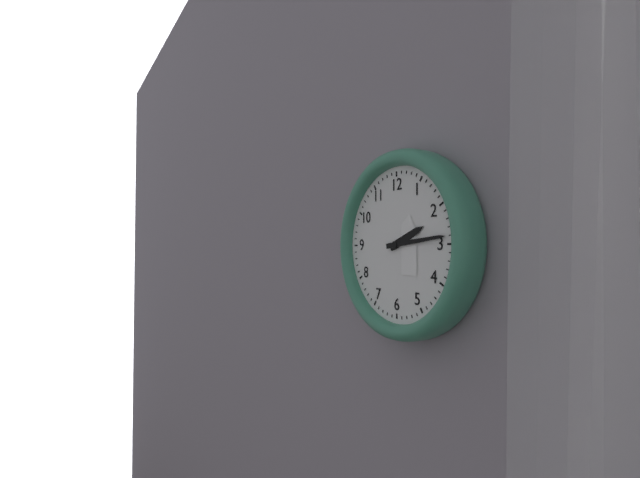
**2:14**
